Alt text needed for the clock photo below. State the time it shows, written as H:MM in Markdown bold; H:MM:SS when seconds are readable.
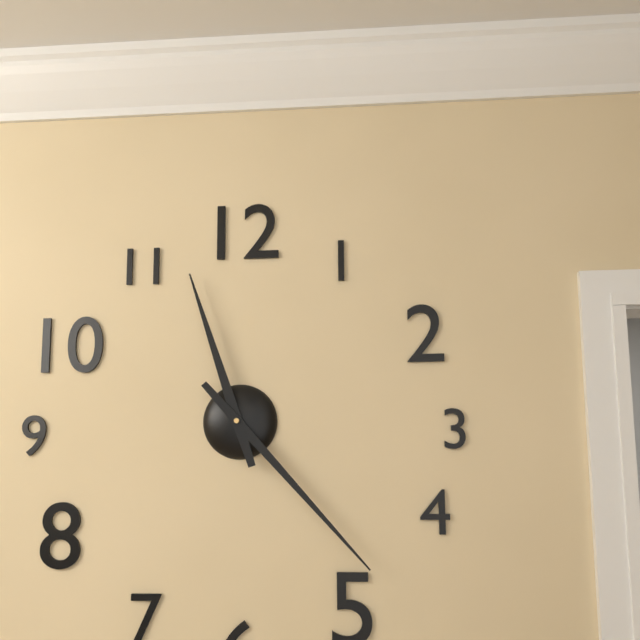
**11:23**
